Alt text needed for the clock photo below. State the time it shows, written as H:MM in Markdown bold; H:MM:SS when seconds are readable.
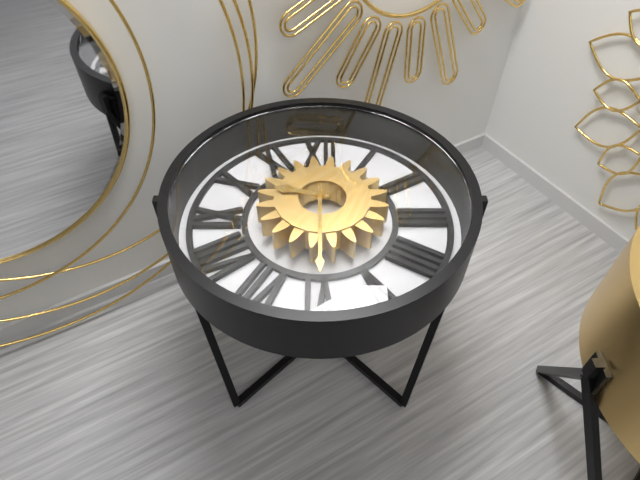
**9:30**
